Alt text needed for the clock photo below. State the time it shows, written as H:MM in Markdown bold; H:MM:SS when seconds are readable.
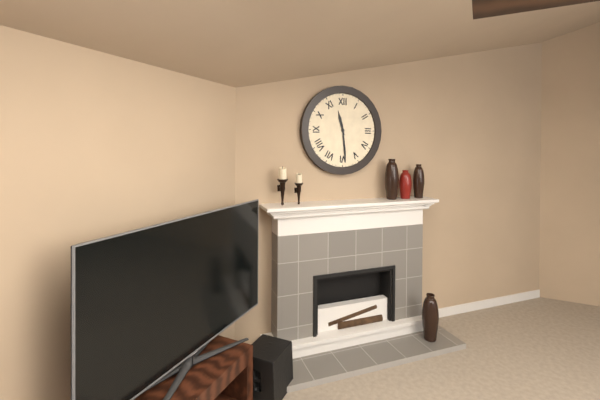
**11:29**
